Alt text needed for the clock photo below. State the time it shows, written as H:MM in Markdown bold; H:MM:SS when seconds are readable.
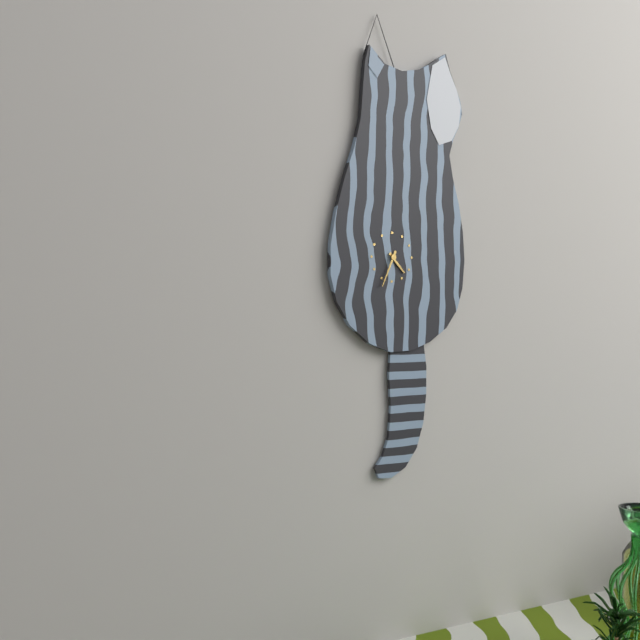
**4:34**
